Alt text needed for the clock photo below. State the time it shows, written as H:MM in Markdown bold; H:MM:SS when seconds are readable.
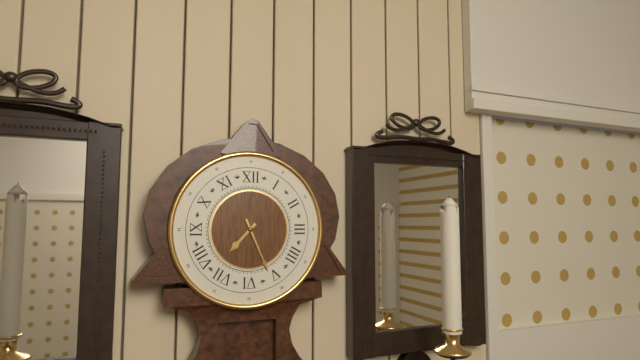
**7:26**
